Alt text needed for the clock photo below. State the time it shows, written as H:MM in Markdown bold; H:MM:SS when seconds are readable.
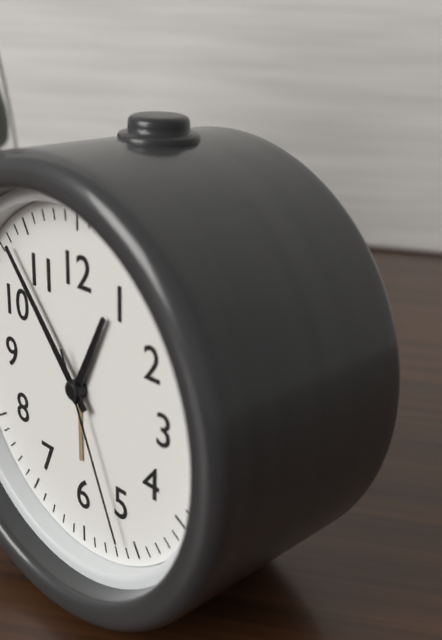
**12:53:26**
